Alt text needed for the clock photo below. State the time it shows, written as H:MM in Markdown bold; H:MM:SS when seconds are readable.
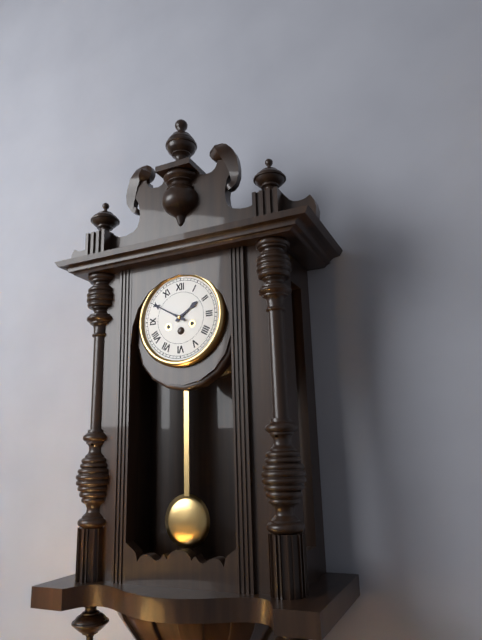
**1:50**
